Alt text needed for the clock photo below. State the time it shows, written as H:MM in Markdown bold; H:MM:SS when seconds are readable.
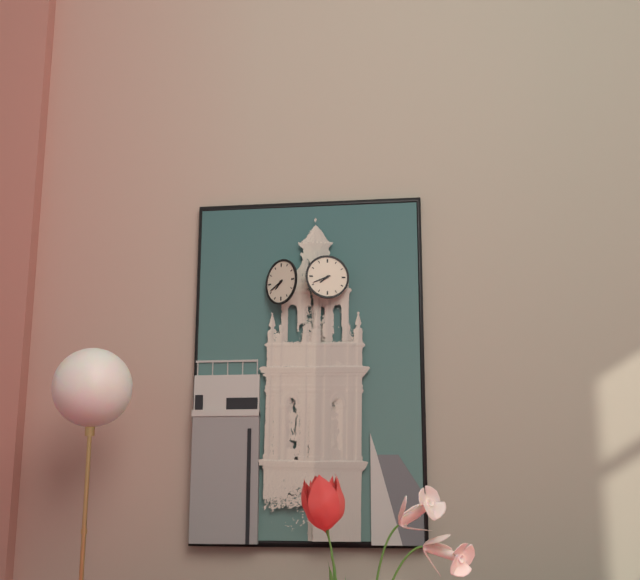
**7:41**
